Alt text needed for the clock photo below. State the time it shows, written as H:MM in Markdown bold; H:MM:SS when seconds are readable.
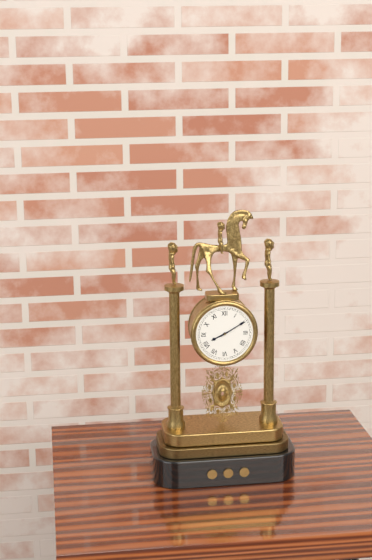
**8:10**
